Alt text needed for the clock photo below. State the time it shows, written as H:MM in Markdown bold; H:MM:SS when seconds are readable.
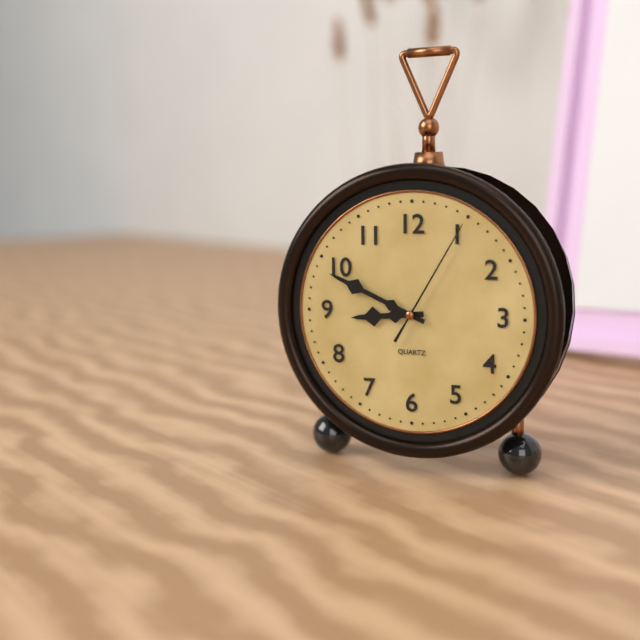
**8:49:05**
